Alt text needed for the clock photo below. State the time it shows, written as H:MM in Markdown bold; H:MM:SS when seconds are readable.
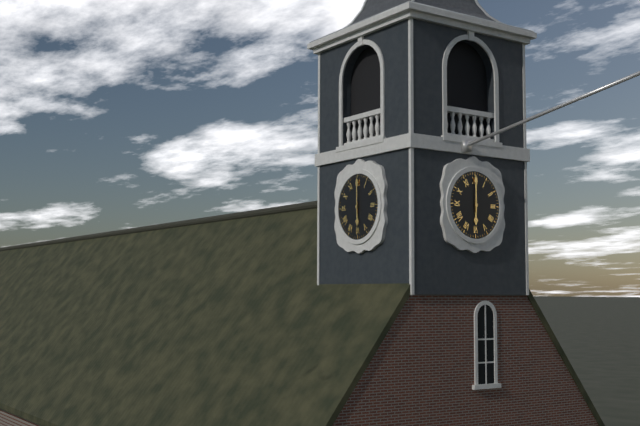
**6:00**
